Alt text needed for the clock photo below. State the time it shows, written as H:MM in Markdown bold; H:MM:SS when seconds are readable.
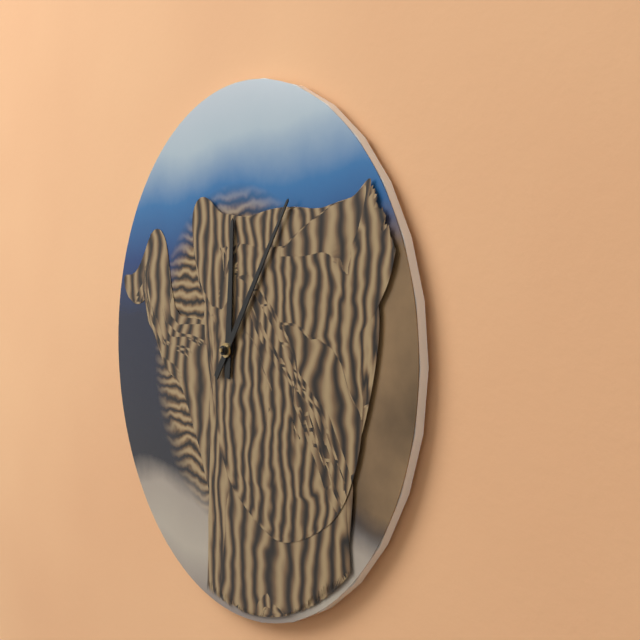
**12:06**
